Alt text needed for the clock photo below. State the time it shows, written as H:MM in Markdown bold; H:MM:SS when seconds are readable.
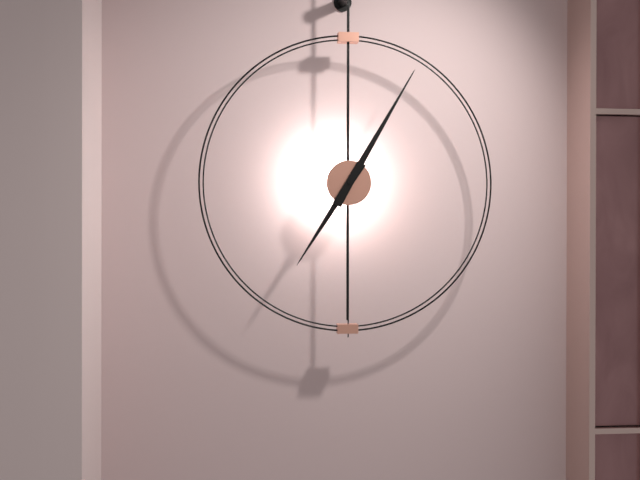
**7:05**
